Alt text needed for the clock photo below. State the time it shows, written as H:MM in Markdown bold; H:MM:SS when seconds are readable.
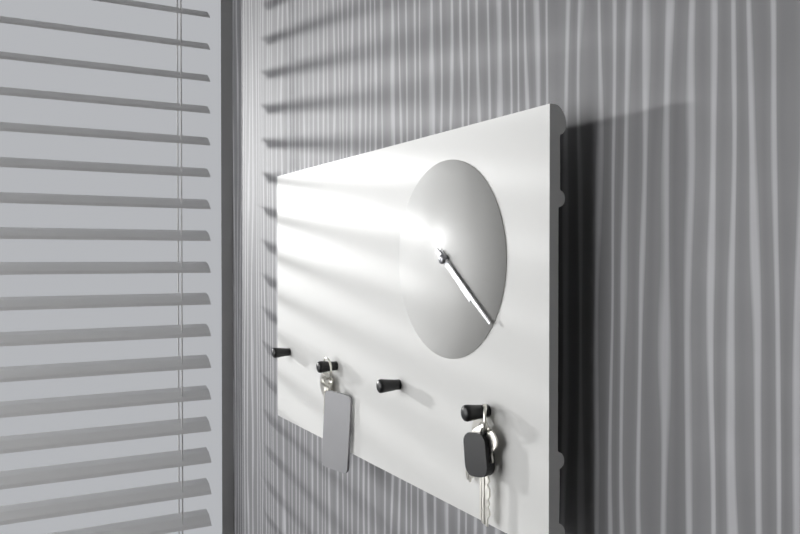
**4:21**
